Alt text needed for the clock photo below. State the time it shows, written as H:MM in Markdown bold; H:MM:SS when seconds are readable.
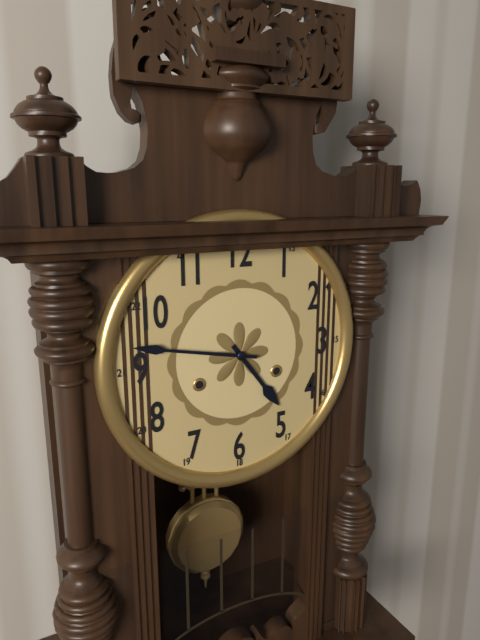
**4:47**
